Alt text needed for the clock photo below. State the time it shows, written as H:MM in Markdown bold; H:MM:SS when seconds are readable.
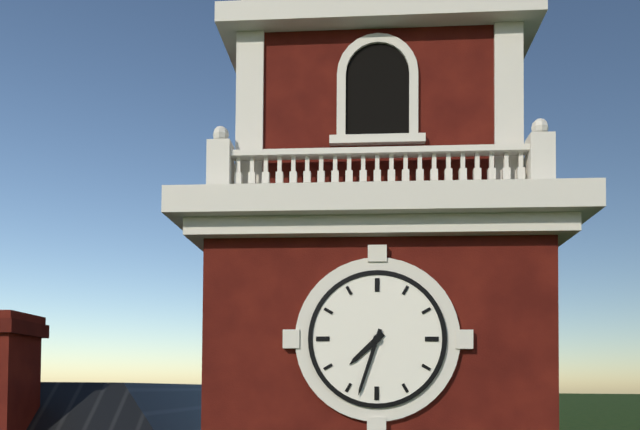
**7:33**
